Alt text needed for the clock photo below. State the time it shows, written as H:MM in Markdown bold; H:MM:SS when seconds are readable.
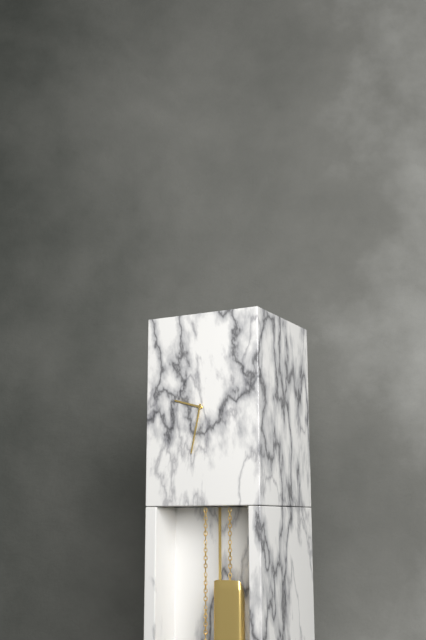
**9:32**
